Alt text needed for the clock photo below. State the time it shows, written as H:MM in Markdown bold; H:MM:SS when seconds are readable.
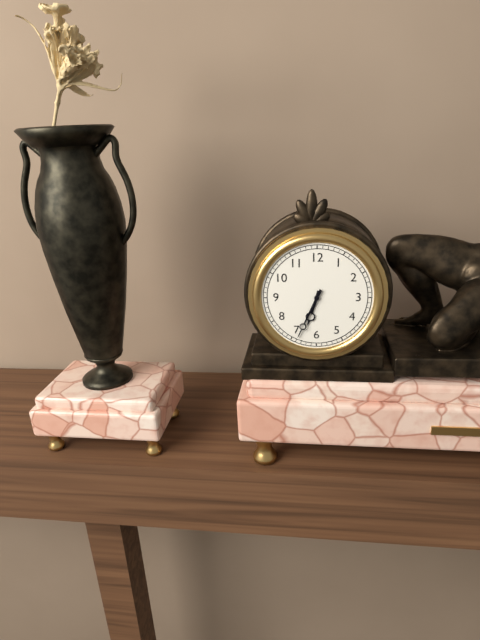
**6:34**
